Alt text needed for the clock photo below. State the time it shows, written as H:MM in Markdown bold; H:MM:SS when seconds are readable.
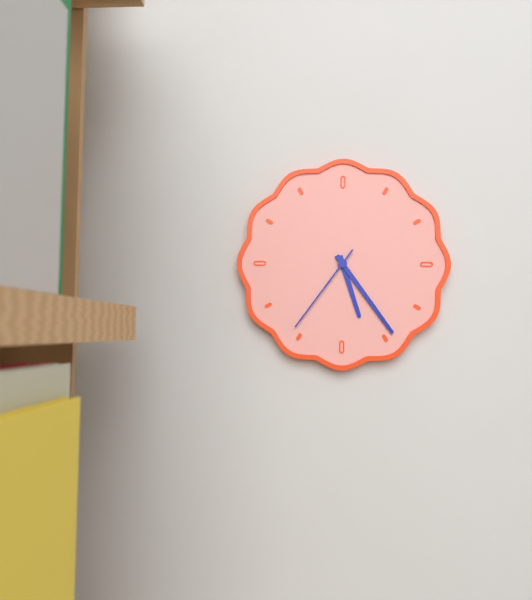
**5:24:36**
